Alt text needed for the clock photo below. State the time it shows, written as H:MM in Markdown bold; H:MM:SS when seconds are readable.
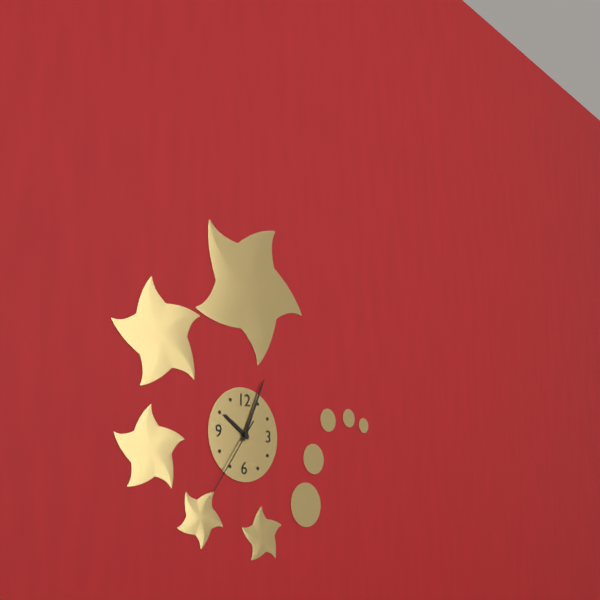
**10:04:36**
